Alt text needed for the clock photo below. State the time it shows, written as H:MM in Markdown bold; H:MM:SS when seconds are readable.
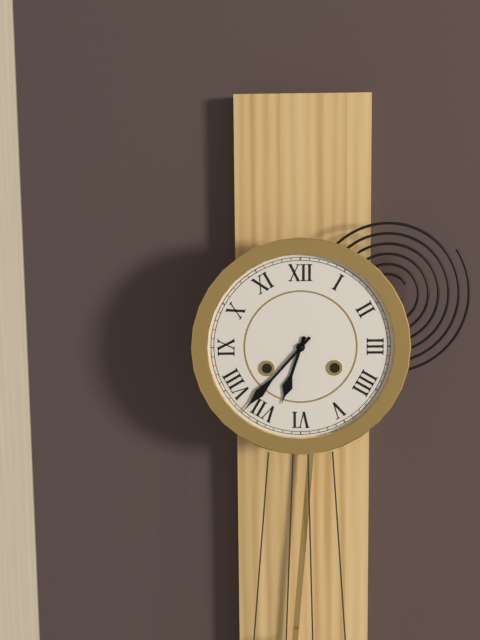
**6:37**
